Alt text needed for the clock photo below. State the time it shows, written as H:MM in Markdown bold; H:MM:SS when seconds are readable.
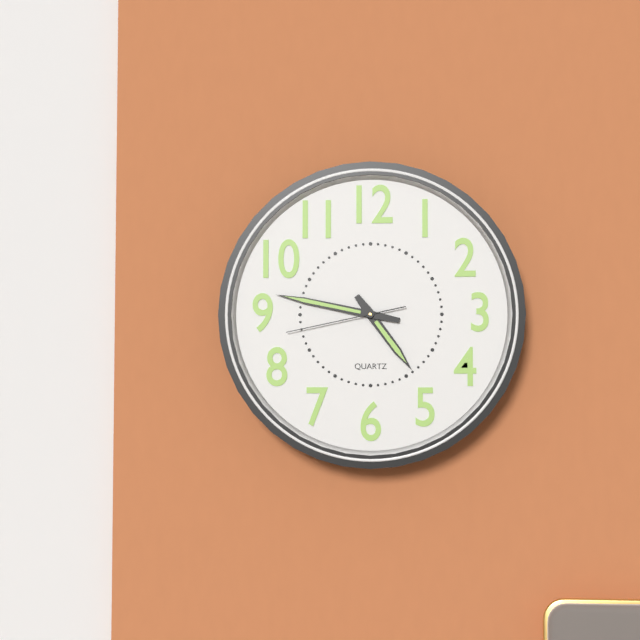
**4:47:43**
